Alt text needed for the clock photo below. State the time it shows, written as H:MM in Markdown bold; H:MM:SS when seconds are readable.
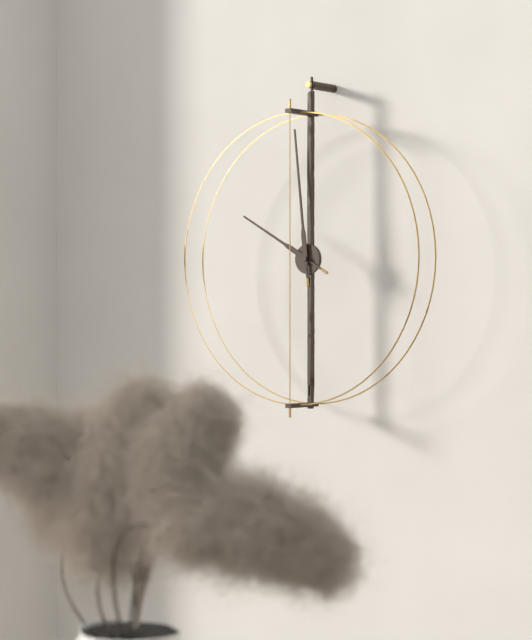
**9:59**
